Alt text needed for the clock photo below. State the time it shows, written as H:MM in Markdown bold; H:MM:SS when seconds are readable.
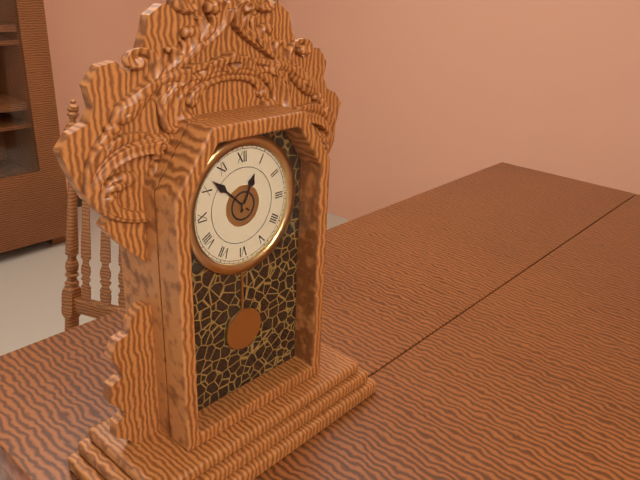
**12:52**
